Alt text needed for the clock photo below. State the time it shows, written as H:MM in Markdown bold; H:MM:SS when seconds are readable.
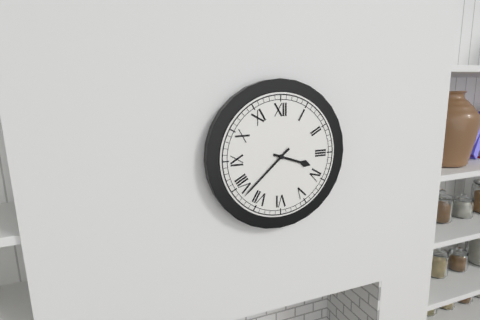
**3:38**
